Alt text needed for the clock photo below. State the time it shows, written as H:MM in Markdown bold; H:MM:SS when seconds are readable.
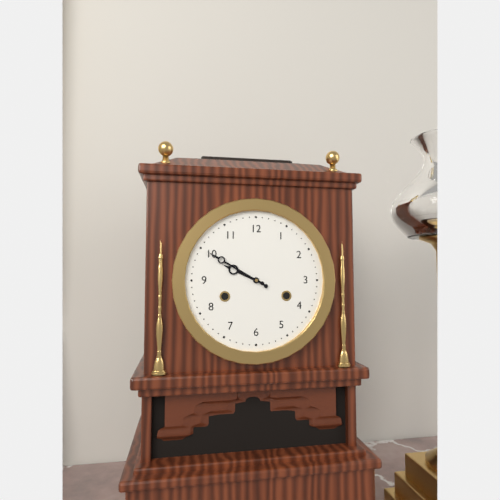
**9:50**
